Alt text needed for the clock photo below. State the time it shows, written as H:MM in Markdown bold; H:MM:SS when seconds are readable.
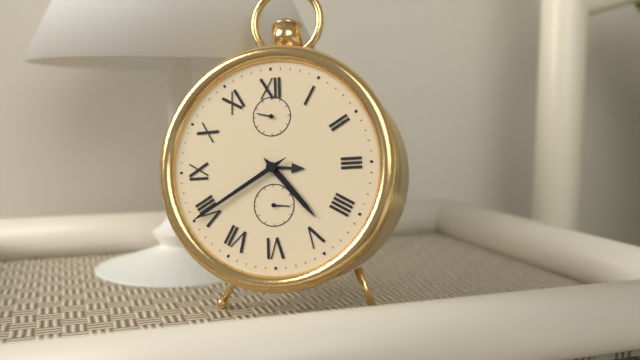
**4:40**
